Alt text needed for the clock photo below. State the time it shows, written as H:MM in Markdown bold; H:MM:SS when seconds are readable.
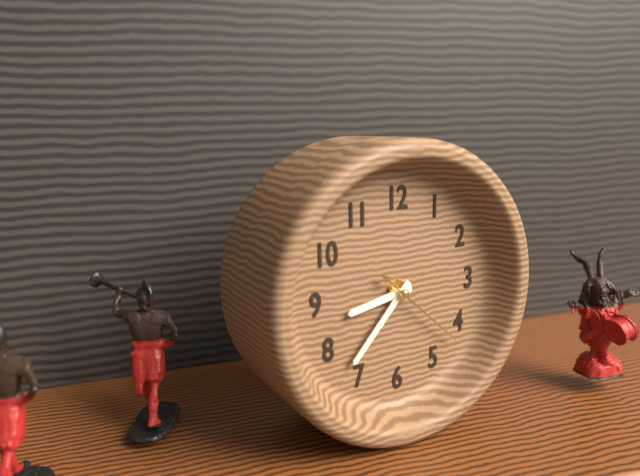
**8:37:22**
